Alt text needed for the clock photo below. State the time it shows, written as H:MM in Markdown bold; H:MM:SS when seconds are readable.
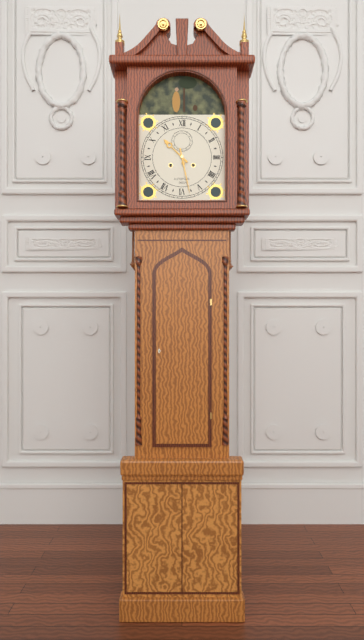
**10:28**
